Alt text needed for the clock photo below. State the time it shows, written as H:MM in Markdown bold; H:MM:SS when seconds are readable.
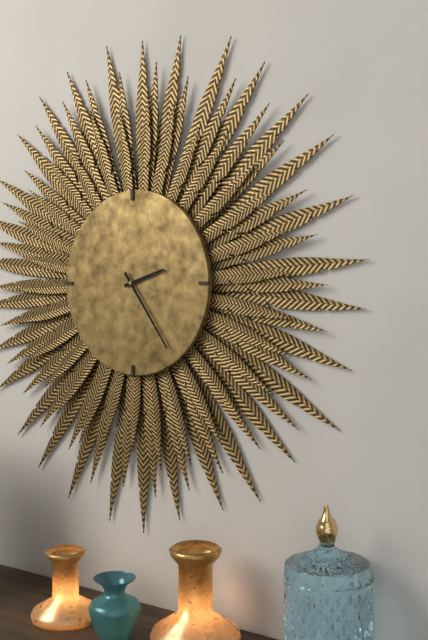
**2:24**
